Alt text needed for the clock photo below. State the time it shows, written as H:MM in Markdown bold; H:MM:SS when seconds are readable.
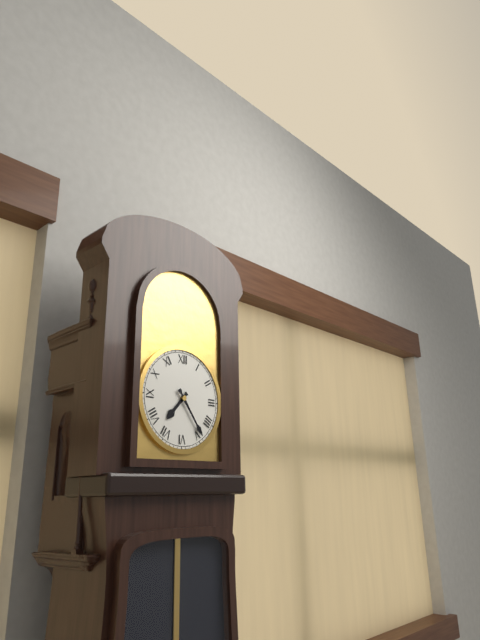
**7:24**
